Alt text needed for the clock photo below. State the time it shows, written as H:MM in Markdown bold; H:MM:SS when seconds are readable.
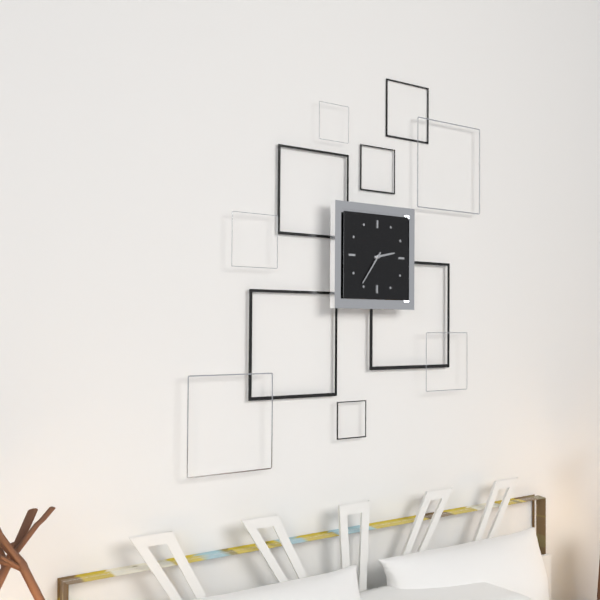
**2:36**
